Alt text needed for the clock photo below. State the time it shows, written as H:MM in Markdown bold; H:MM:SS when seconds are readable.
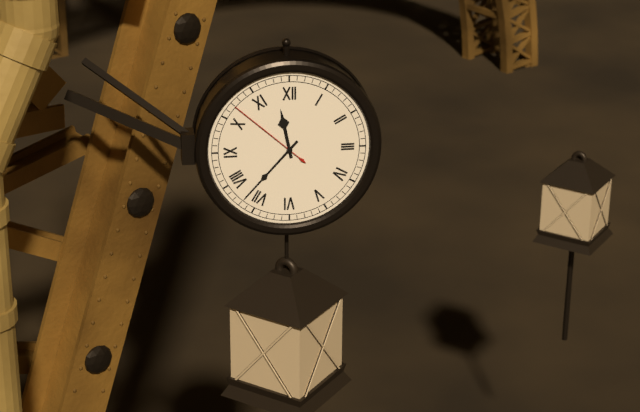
**11:37:52**
